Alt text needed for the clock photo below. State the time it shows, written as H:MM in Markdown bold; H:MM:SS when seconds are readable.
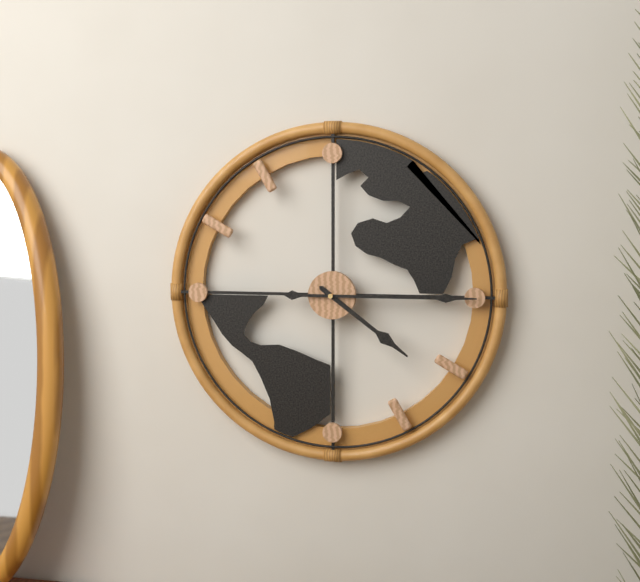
**4:15**
